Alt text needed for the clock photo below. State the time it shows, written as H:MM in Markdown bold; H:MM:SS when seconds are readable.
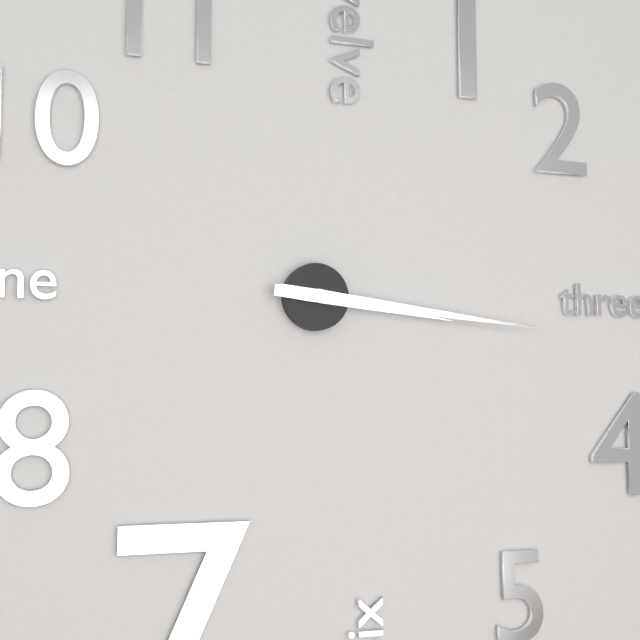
**3:16**
